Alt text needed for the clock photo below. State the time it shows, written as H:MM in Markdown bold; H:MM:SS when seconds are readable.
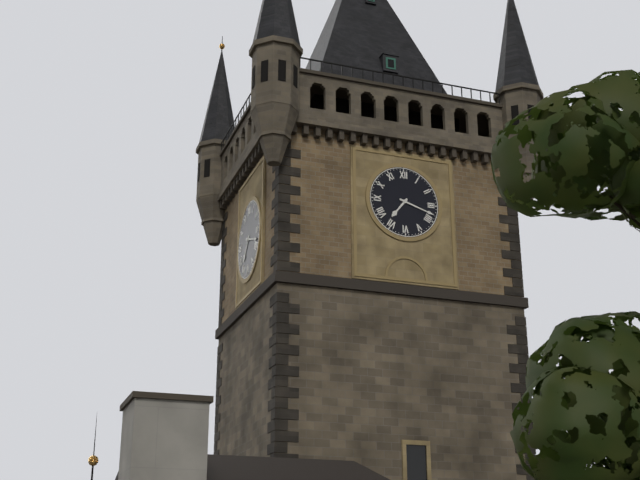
**7:18**
